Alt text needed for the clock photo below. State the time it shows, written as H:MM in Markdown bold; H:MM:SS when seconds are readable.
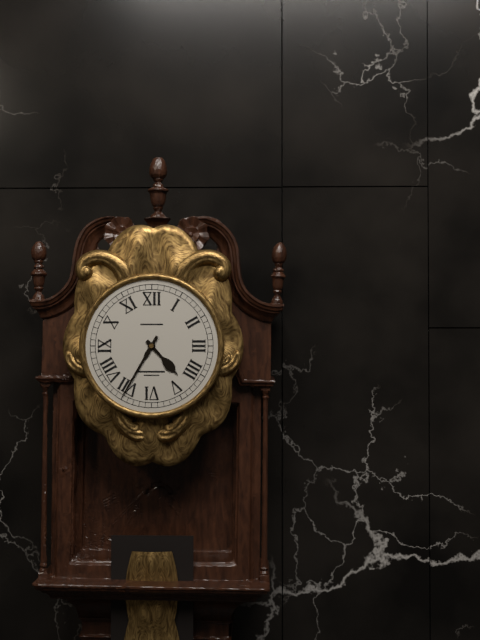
**4:35**
